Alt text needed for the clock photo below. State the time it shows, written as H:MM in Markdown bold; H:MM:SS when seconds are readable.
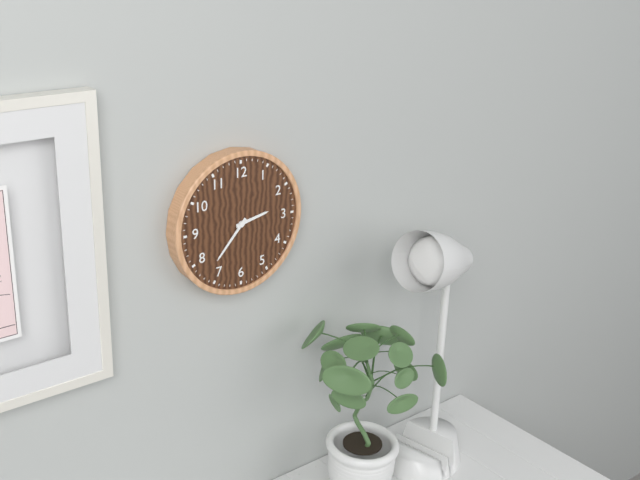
**2:37**
